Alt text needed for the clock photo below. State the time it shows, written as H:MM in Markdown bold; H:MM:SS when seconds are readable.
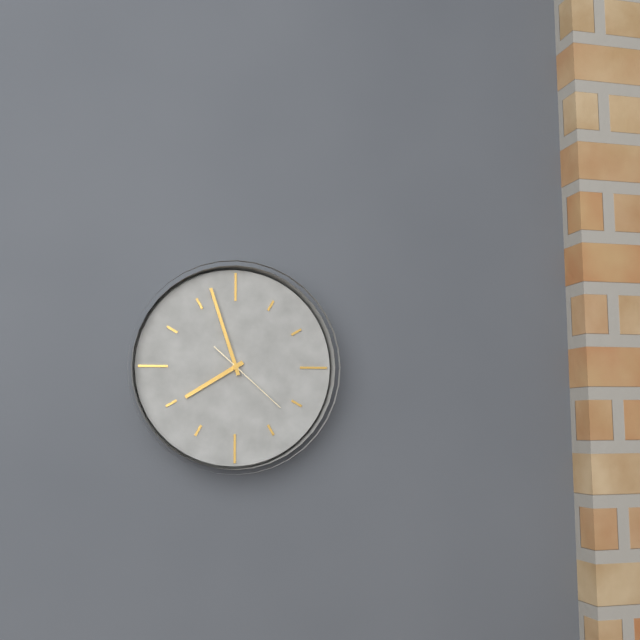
**7:57:22**
